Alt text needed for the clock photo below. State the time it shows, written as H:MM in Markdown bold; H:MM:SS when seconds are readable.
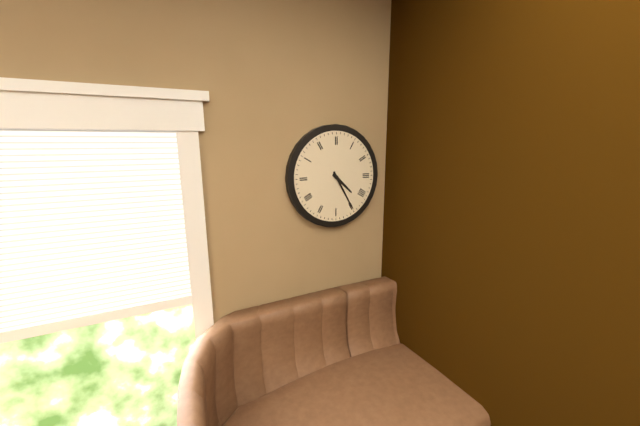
**4:25**
